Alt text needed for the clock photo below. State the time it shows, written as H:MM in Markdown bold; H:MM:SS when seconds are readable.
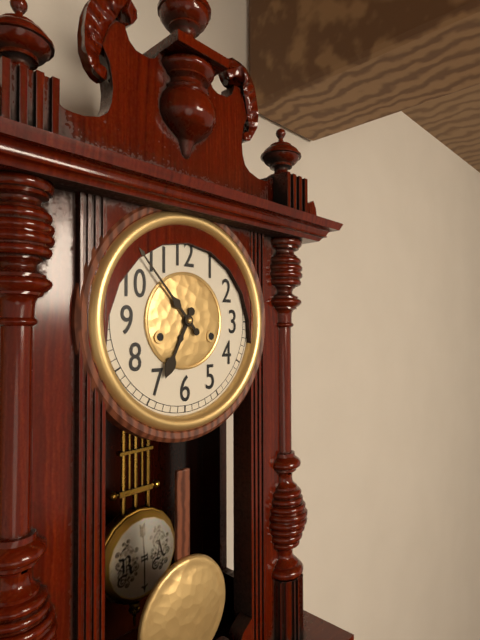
**6:53**
